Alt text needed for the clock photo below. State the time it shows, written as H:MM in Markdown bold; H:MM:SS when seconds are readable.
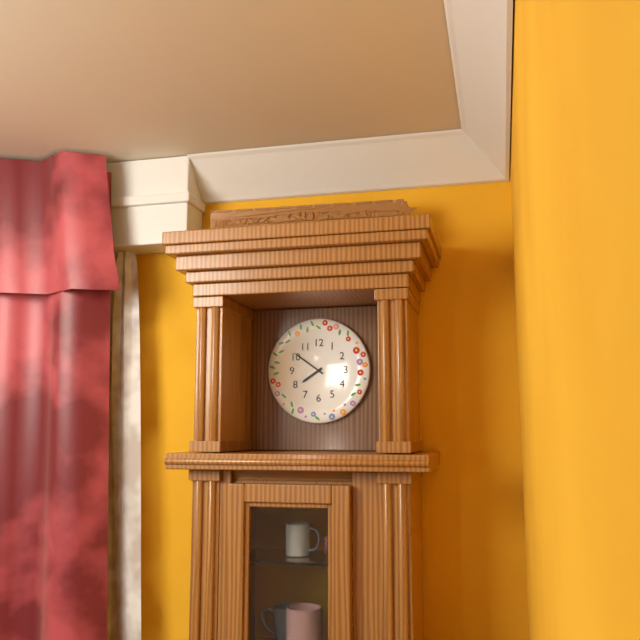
**7:51**
